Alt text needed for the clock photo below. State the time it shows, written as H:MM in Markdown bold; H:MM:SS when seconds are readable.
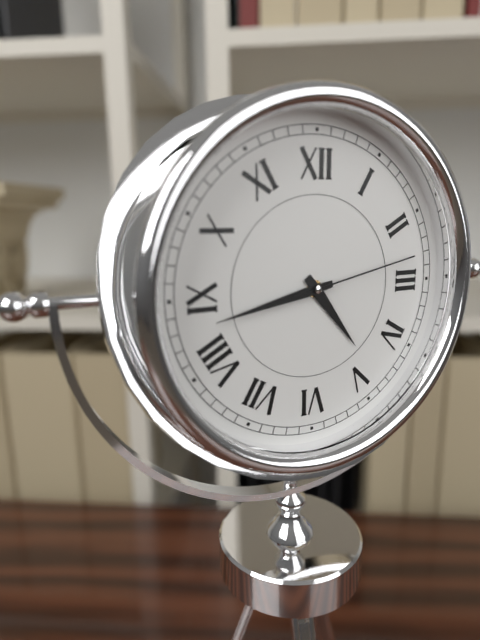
**4:43:13**
